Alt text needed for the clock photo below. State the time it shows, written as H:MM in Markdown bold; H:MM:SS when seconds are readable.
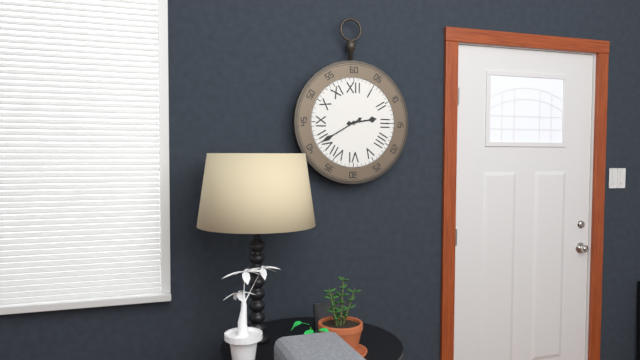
**2:40**
